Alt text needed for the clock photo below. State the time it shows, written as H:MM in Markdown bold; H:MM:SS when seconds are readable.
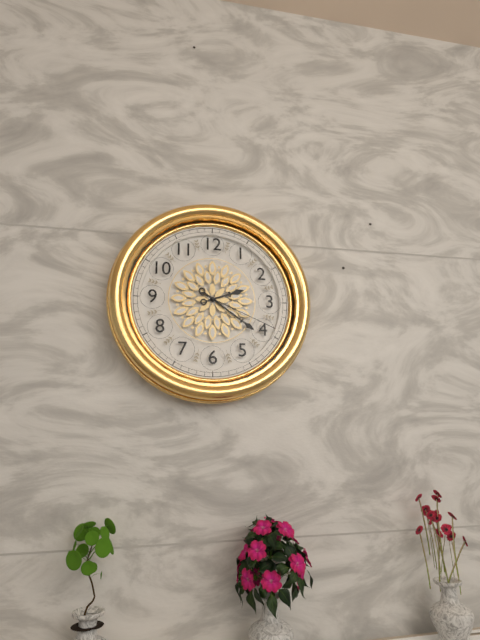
**2:21:19**
